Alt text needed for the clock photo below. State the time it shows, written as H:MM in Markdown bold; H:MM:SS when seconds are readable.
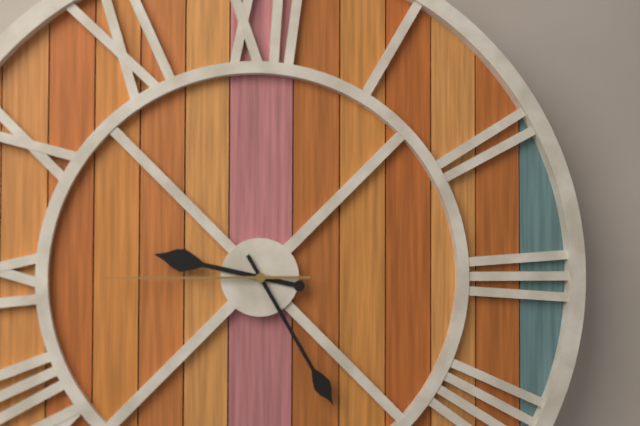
**9:25:45**
